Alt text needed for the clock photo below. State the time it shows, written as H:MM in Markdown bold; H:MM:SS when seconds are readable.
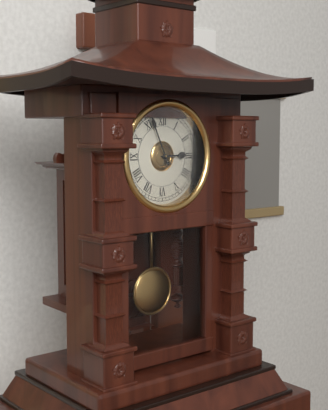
**2:56**
